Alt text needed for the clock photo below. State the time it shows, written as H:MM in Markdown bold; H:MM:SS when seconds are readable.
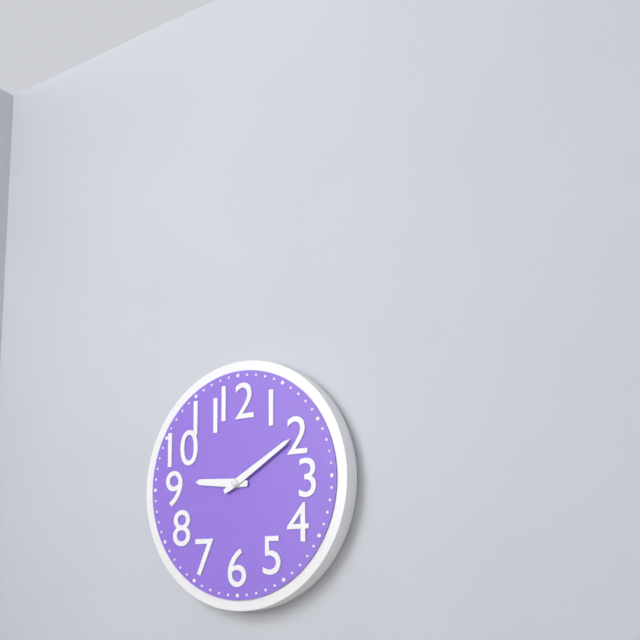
**9:10**
